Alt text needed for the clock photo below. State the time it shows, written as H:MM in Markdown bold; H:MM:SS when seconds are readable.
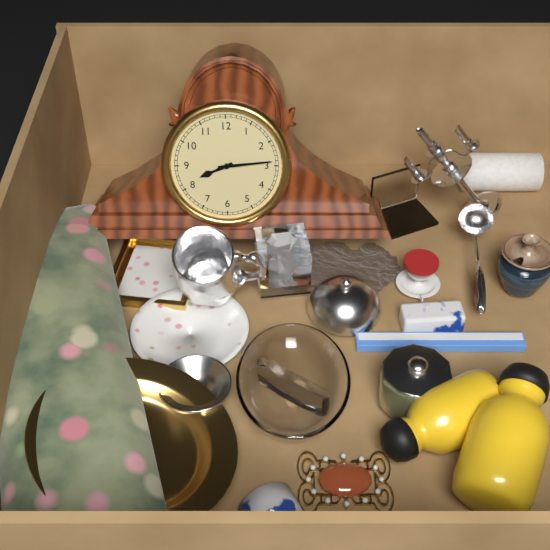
**8:14**
